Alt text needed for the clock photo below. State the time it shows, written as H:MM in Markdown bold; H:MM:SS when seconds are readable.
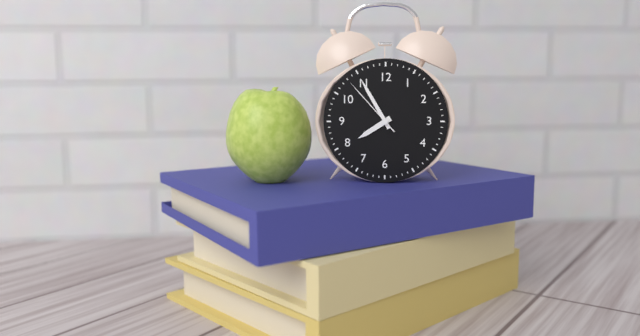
**7:55:53**
